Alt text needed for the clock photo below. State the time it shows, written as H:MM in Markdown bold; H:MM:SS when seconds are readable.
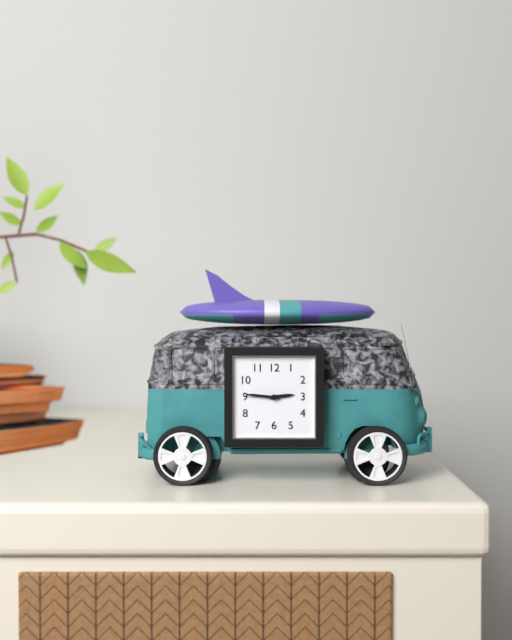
**2:46**
